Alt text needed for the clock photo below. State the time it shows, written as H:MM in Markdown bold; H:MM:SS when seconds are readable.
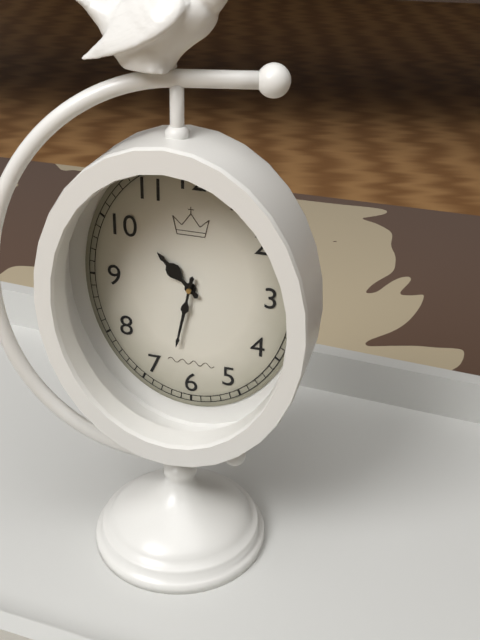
**10:32**
